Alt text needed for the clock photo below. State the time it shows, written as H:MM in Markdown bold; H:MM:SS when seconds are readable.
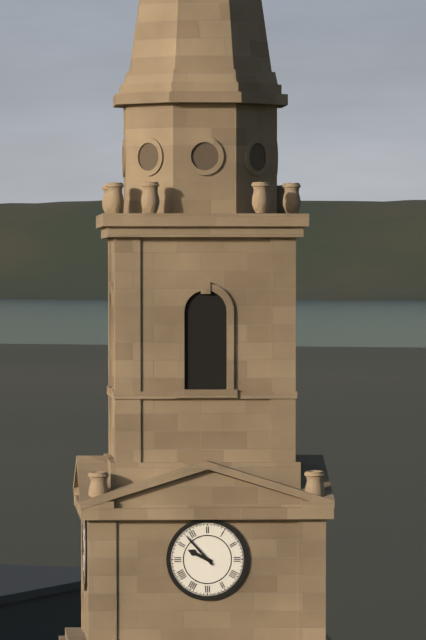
**9:53**
